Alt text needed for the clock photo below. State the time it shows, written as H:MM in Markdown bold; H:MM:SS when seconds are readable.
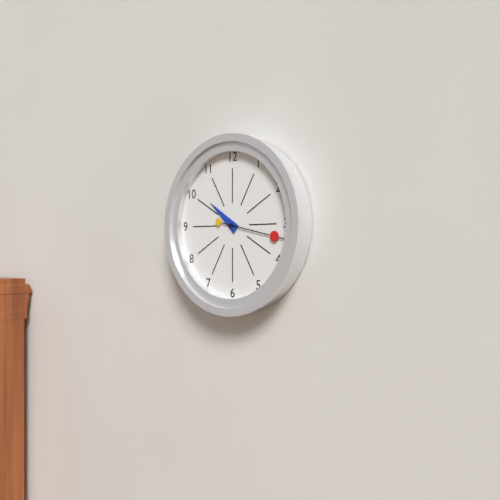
**10:17**
